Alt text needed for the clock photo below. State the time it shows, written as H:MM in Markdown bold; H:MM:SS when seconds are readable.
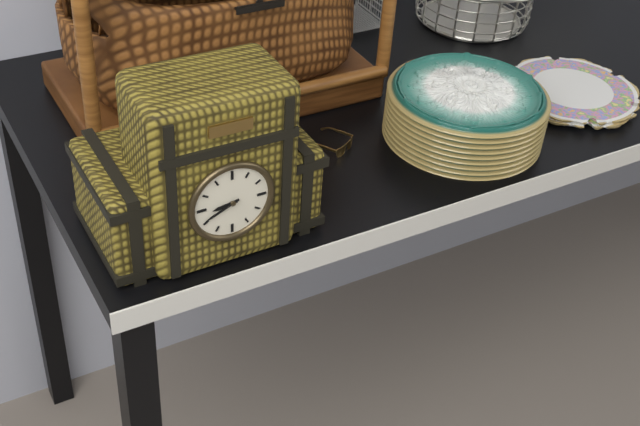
**8:41**
